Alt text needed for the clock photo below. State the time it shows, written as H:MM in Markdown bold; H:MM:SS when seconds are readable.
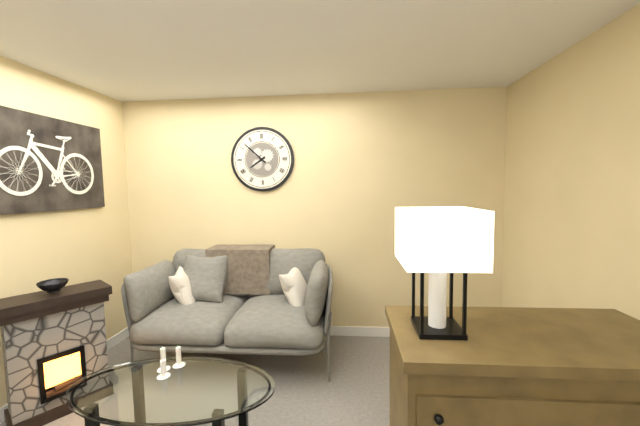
**7:52**
